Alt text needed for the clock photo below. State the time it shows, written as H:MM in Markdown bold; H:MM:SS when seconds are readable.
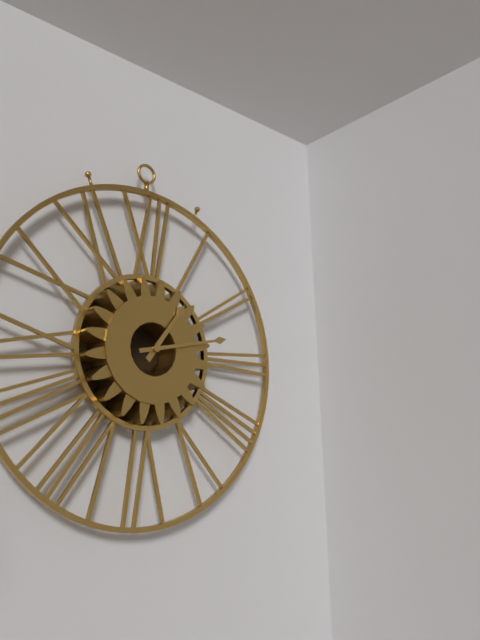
**1:13**
